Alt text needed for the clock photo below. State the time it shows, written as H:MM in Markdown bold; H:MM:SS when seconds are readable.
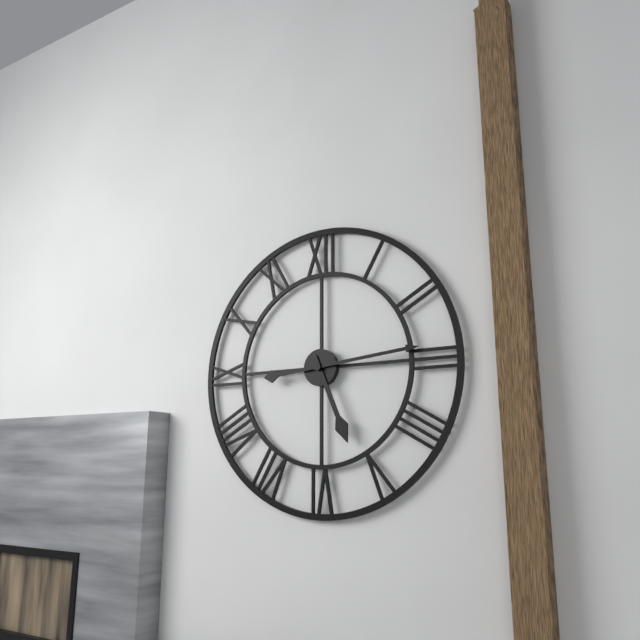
**5:14**
